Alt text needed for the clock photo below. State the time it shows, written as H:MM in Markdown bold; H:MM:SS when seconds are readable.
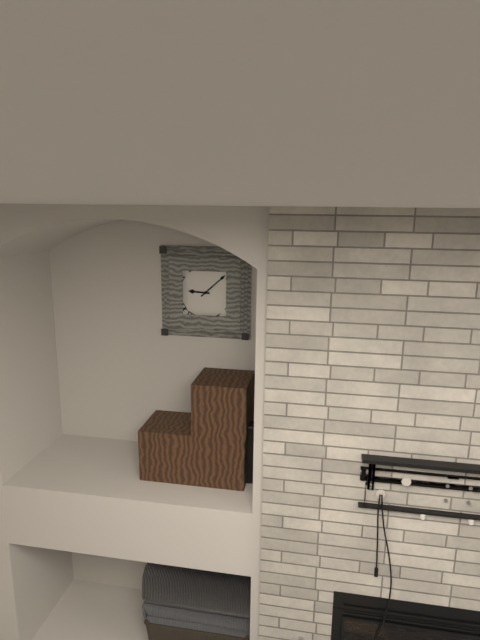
**9:08**
